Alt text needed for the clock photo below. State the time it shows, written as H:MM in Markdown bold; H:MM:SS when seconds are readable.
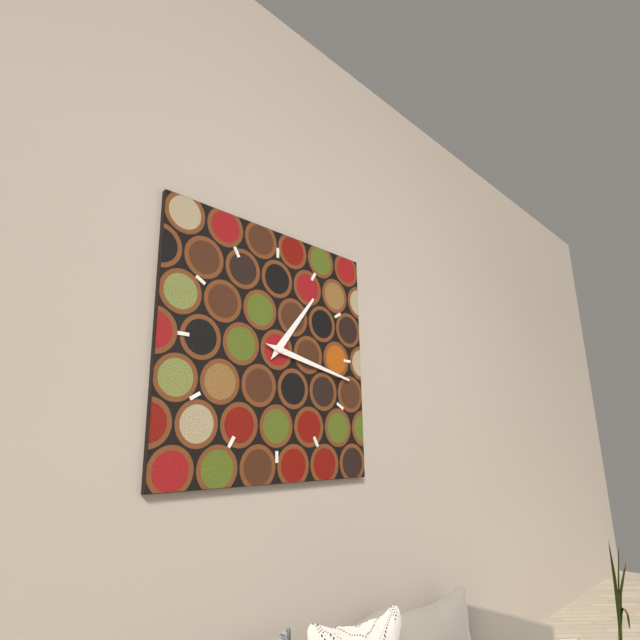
**1:17**
